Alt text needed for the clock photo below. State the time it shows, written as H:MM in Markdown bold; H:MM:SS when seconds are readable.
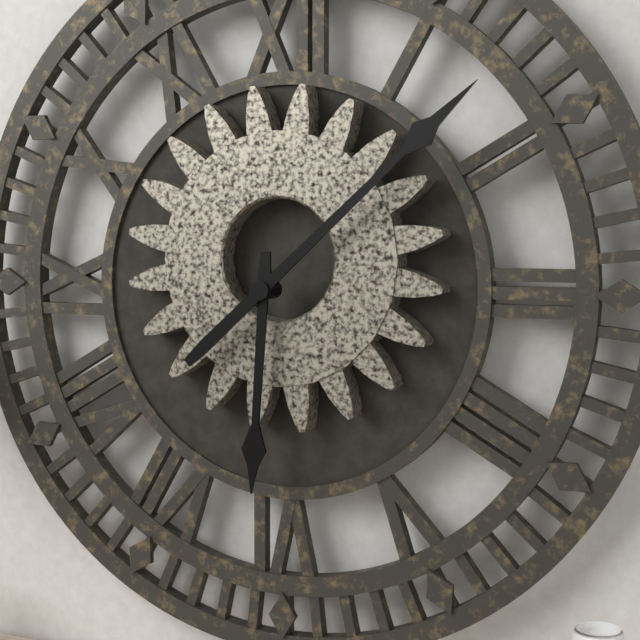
**6:08**
